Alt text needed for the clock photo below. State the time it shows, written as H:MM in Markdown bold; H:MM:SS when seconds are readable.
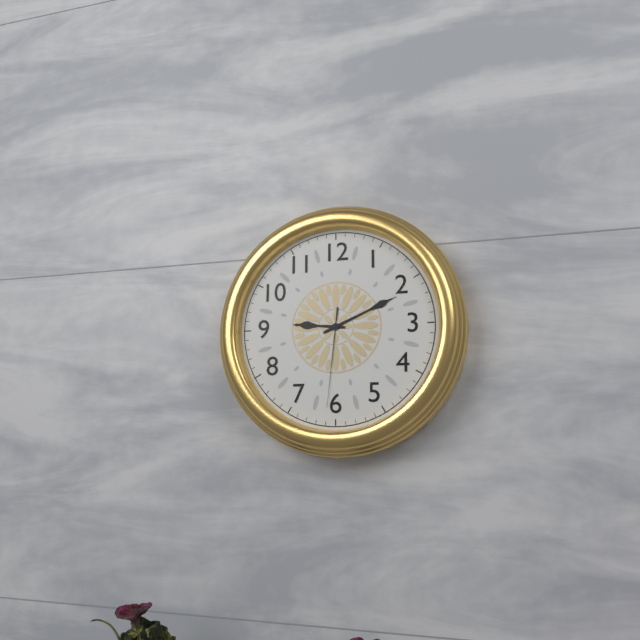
**9:11:31**
